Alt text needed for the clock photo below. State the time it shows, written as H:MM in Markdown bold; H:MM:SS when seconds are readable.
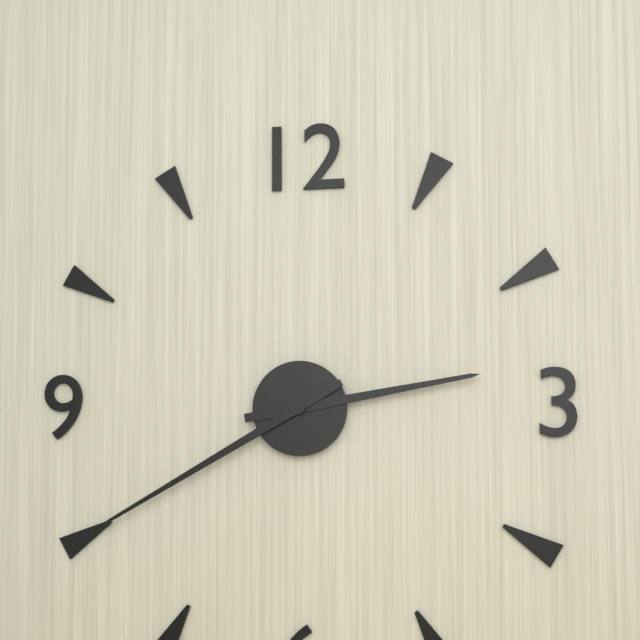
**2:40**
